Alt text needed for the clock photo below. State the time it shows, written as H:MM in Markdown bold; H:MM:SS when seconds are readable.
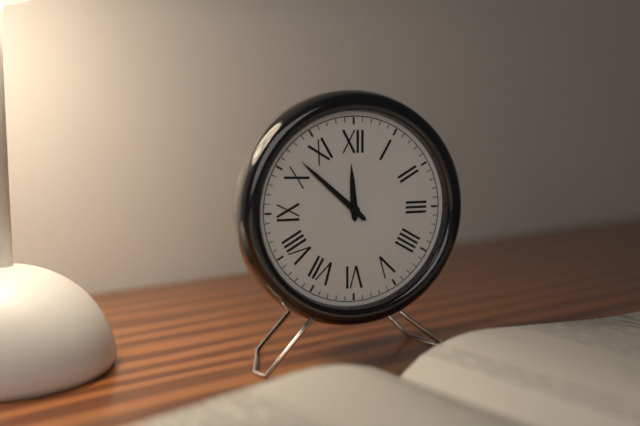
**11:52**
